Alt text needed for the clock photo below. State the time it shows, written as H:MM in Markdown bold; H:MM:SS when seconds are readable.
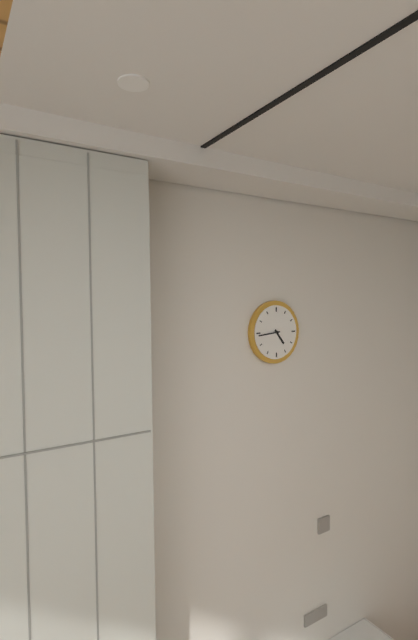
**4:44**
